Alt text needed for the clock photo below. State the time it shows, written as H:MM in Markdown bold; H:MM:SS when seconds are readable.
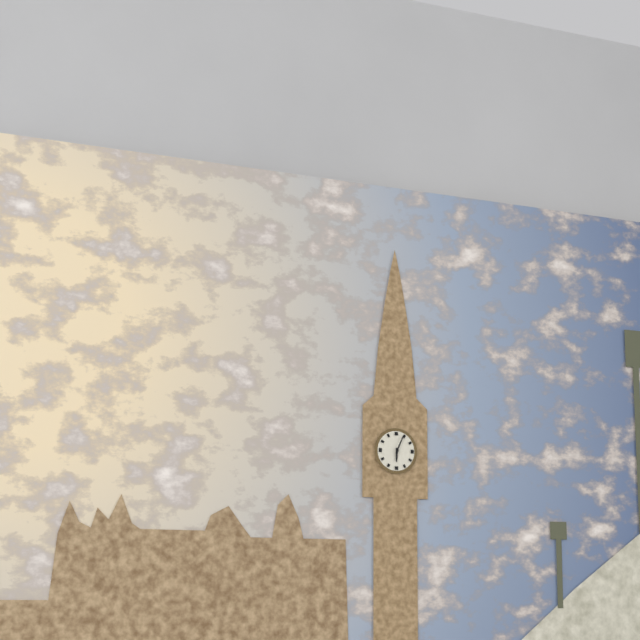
**6:04**
